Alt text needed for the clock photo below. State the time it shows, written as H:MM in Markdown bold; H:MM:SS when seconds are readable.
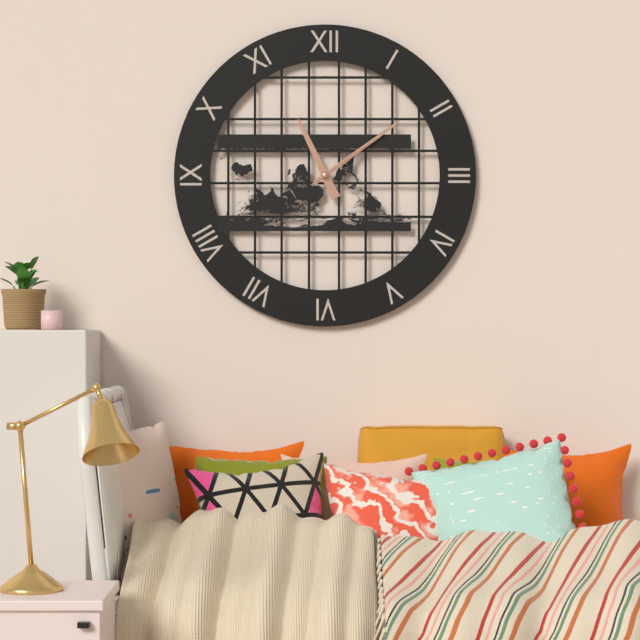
**11:09:09**
